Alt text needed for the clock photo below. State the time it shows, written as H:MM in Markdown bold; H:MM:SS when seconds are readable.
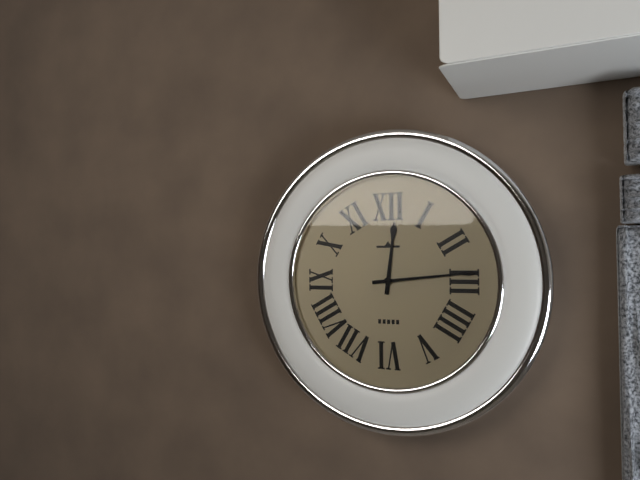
**12:14**
